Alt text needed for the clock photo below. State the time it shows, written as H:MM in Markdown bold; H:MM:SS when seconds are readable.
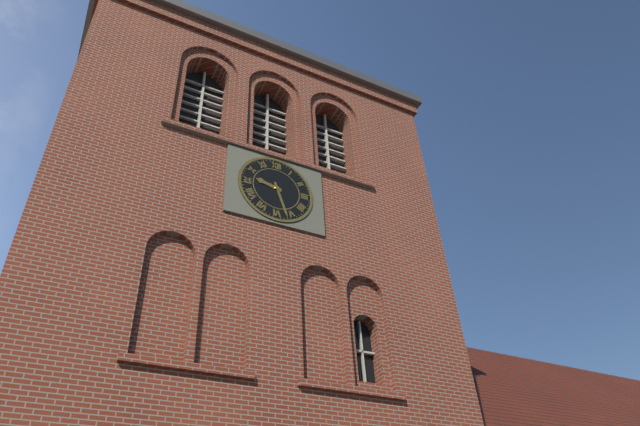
**9:27**
